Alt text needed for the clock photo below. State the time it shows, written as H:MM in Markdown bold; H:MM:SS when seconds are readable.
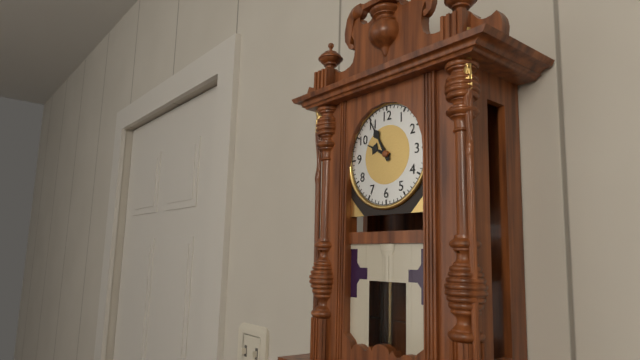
**9:55**
